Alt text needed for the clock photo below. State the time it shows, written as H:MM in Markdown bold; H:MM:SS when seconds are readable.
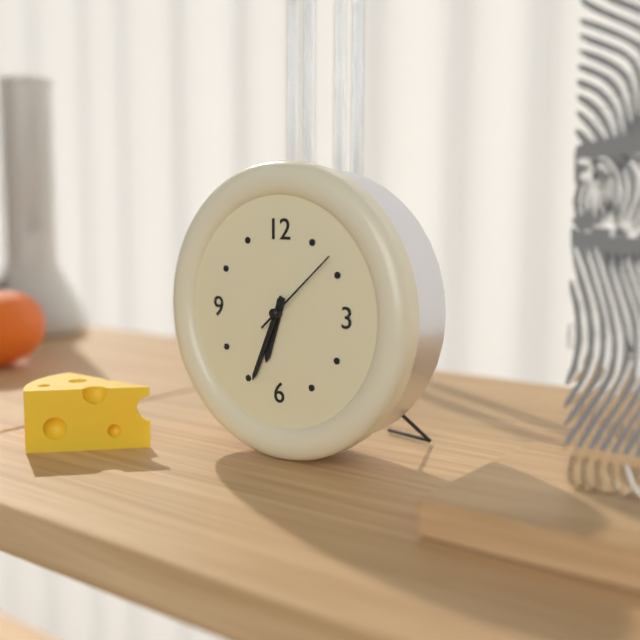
**6:34:08**
